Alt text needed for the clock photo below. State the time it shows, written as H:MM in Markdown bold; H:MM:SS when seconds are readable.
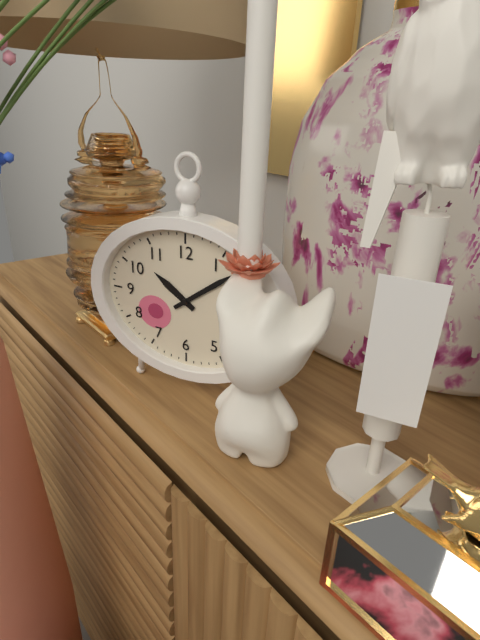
**10:09**
